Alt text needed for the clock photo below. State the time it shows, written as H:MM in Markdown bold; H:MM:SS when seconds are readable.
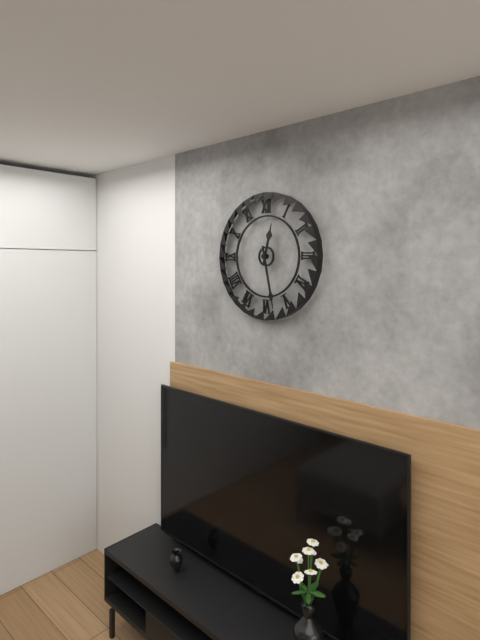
**12:28**
